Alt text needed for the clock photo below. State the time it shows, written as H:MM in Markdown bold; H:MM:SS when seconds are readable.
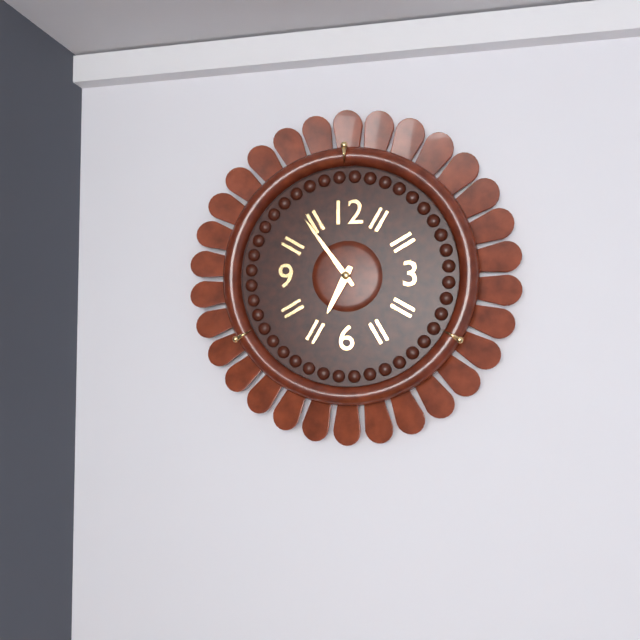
**6:54**
